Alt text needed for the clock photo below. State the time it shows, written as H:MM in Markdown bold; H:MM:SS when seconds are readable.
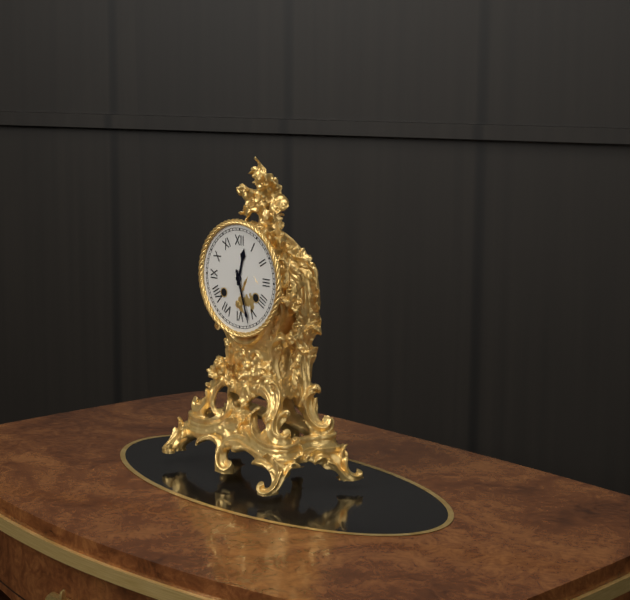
**12:27**
